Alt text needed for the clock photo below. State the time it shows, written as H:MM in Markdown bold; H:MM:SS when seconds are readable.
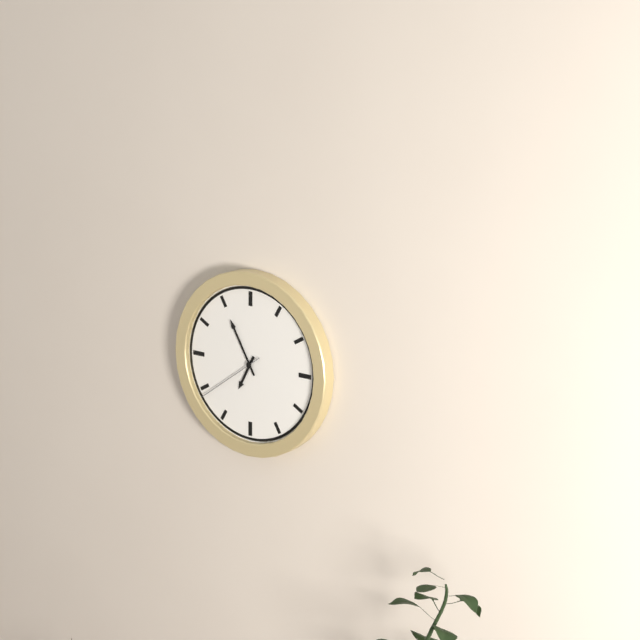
**6:55:39**
